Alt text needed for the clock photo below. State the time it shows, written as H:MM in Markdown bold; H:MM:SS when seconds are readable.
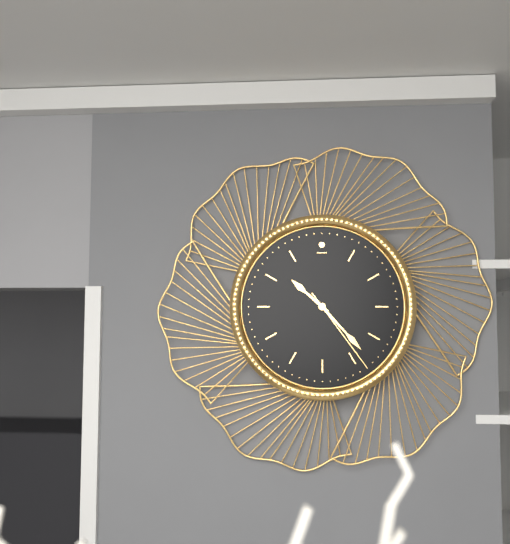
**10:23:24**
